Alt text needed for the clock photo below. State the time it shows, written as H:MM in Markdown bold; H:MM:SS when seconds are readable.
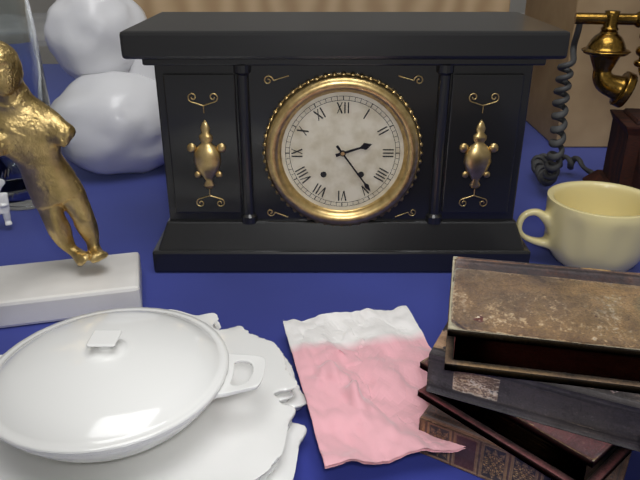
**2:24**
